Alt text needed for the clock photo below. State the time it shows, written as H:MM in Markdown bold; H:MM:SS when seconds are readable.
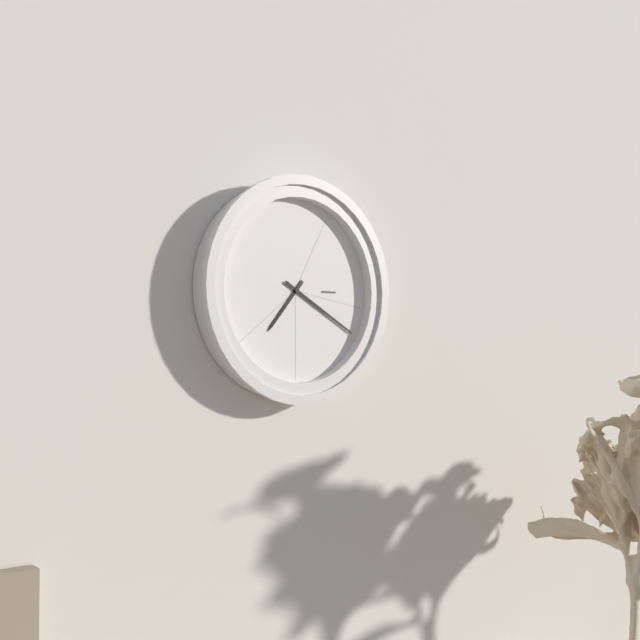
**7:20**
